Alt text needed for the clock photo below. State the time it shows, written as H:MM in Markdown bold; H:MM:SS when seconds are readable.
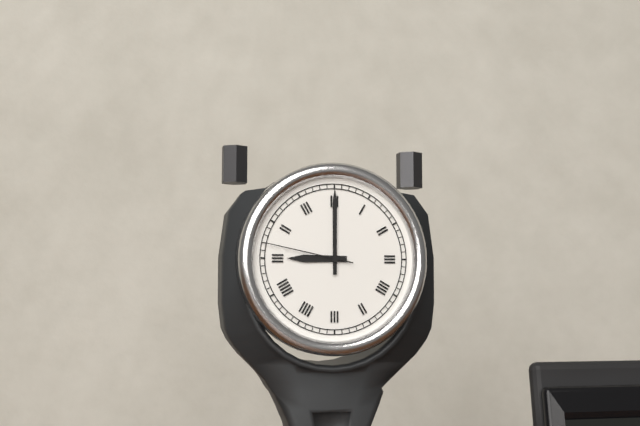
**9:00:47**
